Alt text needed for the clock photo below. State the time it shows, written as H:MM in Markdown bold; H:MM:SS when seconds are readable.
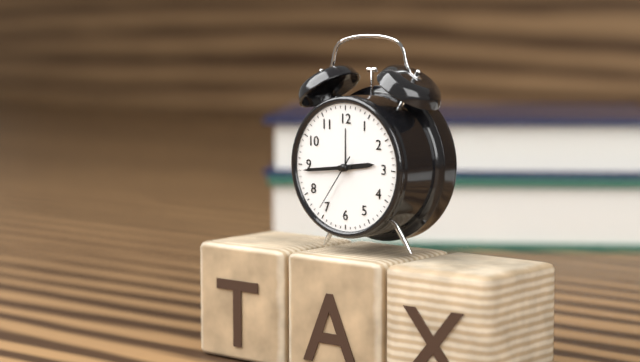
**2:44:36**
